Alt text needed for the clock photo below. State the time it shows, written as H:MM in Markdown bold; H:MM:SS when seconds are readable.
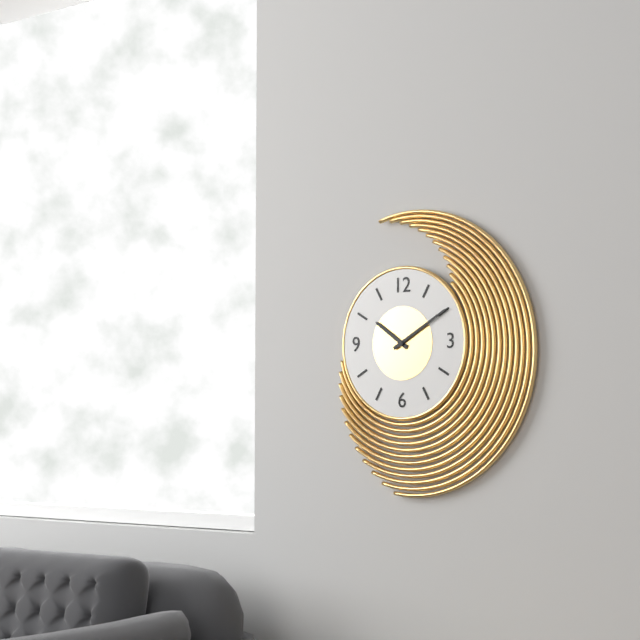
**10:10**
